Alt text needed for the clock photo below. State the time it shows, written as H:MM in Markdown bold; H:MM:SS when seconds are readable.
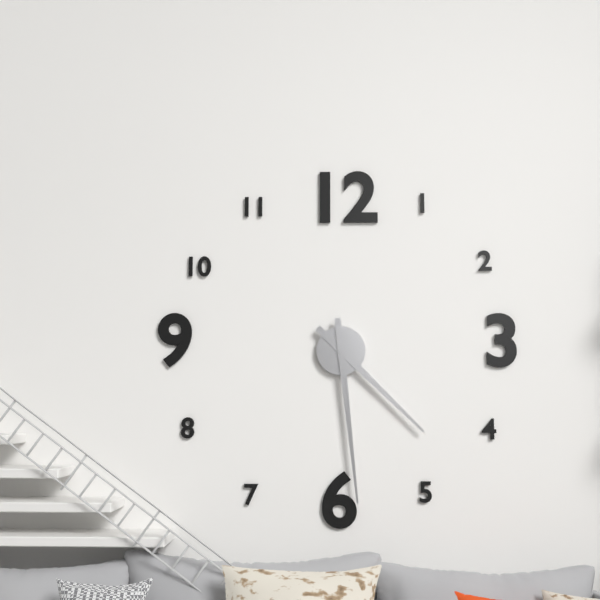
**4:29**
